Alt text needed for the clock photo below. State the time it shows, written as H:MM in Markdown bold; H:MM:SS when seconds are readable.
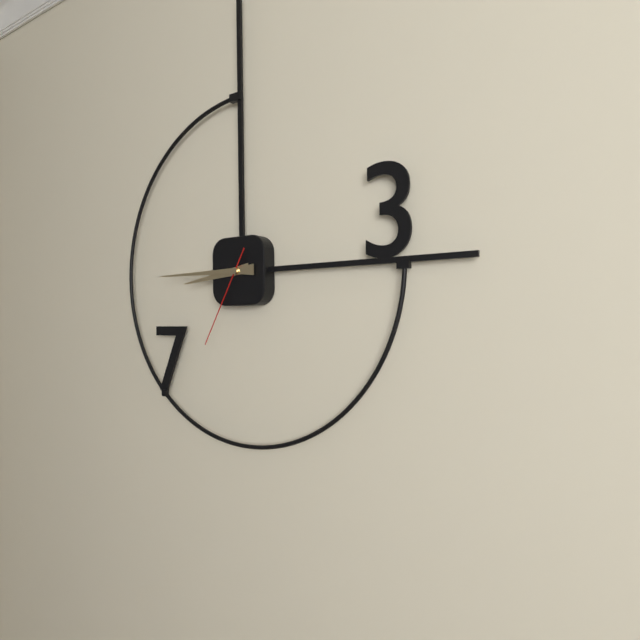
**8:45:35**
